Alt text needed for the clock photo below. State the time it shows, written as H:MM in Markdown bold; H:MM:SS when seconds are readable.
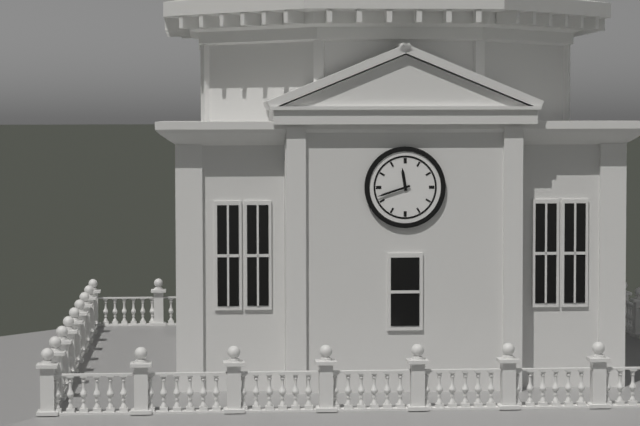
**11:42**
